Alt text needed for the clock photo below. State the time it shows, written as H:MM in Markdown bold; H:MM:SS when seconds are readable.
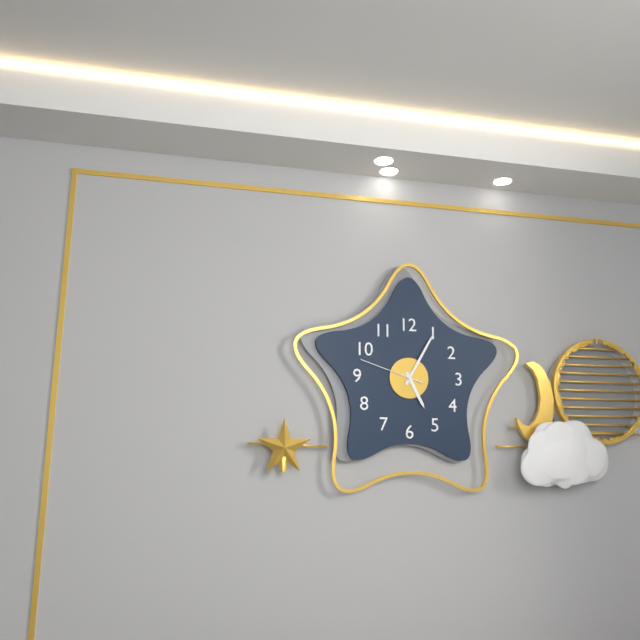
**5:05:48**
